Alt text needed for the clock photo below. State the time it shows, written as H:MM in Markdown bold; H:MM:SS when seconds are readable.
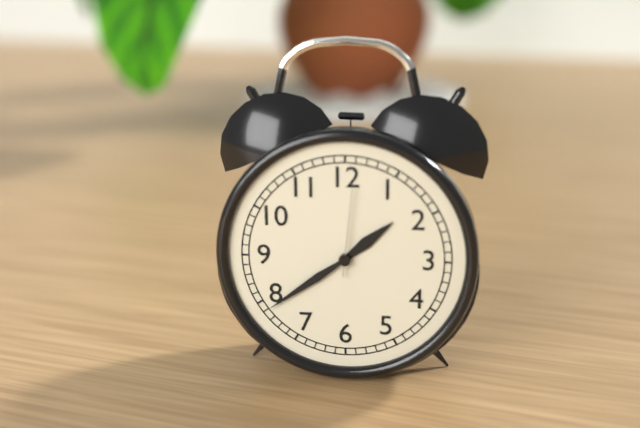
**1:39:01**
